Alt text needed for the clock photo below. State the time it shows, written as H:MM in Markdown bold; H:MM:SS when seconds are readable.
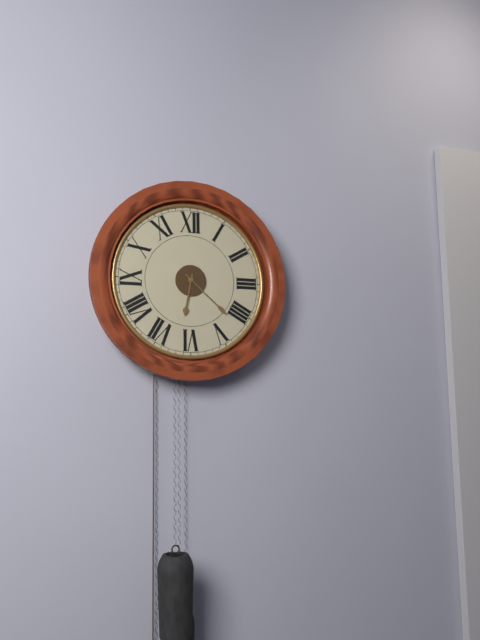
**6:22**
